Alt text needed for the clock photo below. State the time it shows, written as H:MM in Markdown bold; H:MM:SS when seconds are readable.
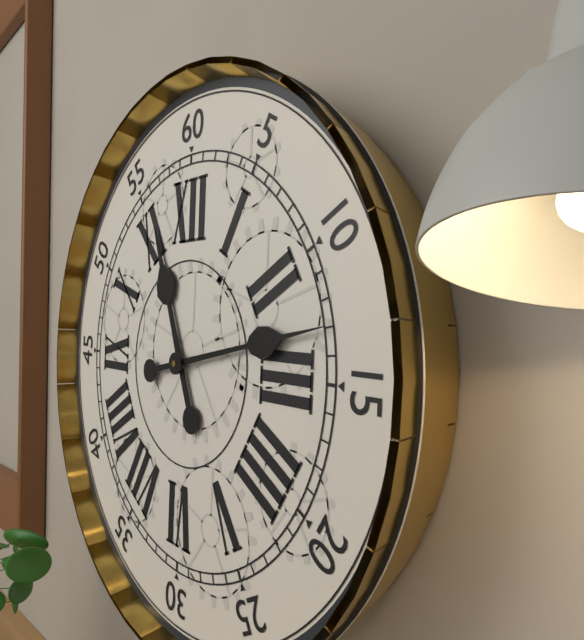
**11:13**
